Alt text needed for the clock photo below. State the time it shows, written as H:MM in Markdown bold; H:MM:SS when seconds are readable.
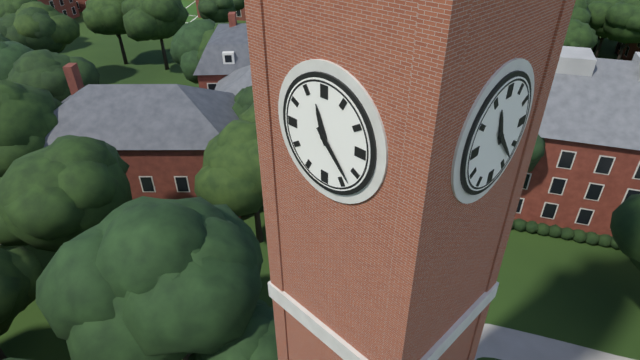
**11:23**
